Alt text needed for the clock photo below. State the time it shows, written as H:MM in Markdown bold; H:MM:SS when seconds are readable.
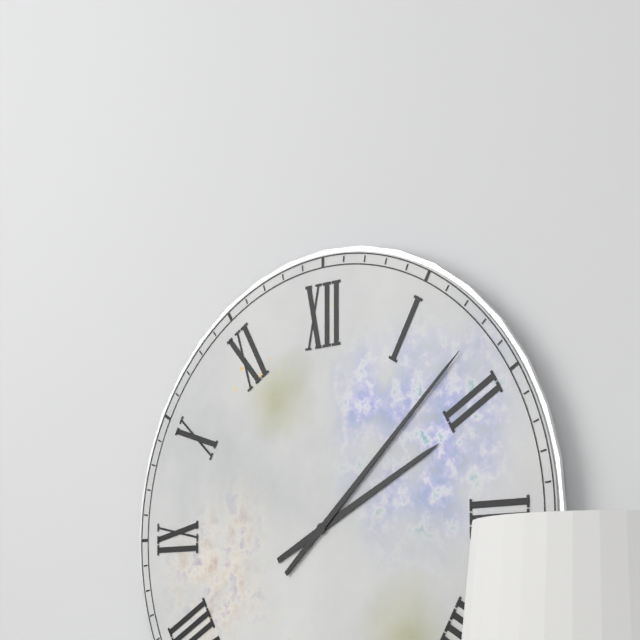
**2:08**
